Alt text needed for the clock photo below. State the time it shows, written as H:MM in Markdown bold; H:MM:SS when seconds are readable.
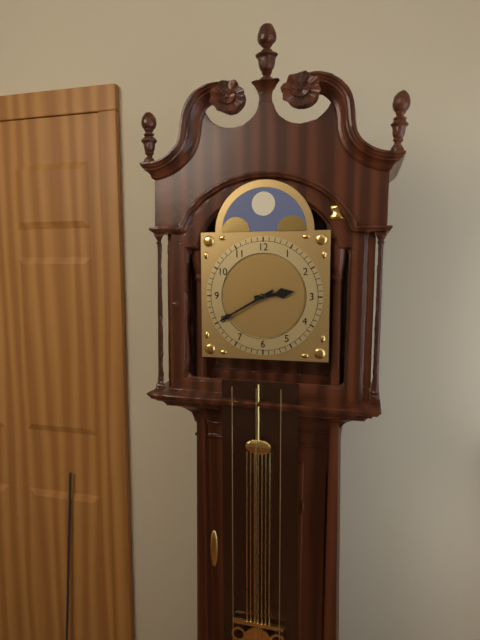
**2:40**
